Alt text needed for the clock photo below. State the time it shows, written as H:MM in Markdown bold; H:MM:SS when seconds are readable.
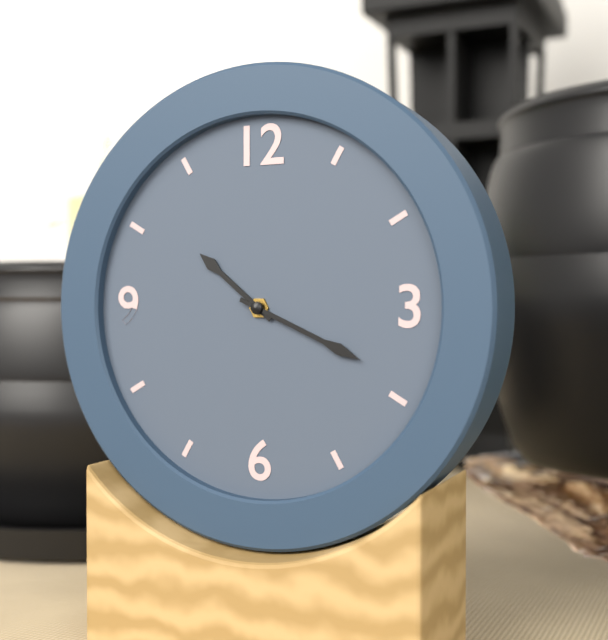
**10:19**
